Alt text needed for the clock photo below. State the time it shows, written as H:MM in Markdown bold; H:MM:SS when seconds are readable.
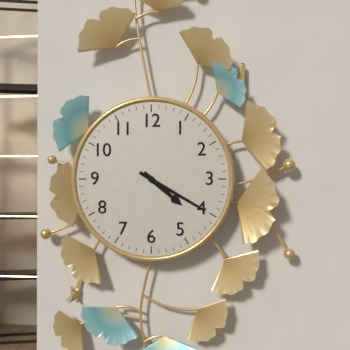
**4:20**
